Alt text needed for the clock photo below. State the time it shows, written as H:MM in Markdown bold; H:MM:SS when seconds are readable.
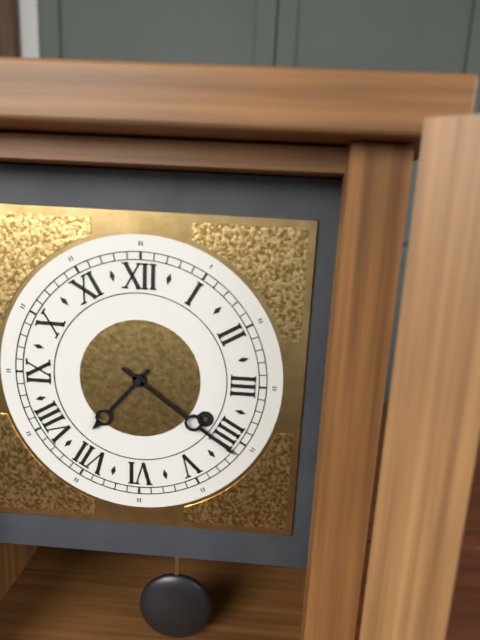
**7:21**
